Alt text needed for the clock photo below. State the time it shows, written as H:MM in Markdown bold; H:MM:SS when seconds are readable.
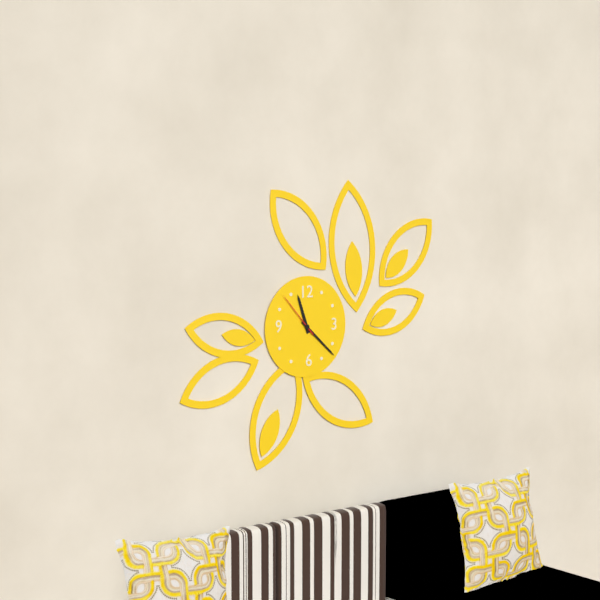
**11:22:53**
